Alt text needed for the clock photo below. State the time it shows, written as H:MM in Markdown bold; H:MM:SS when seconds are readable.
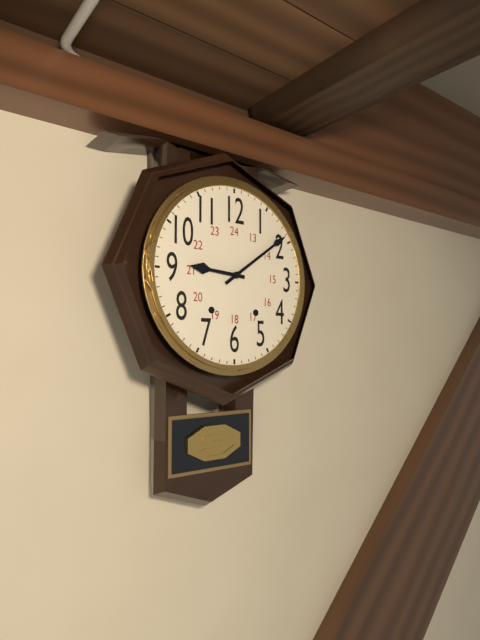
**9:09**
